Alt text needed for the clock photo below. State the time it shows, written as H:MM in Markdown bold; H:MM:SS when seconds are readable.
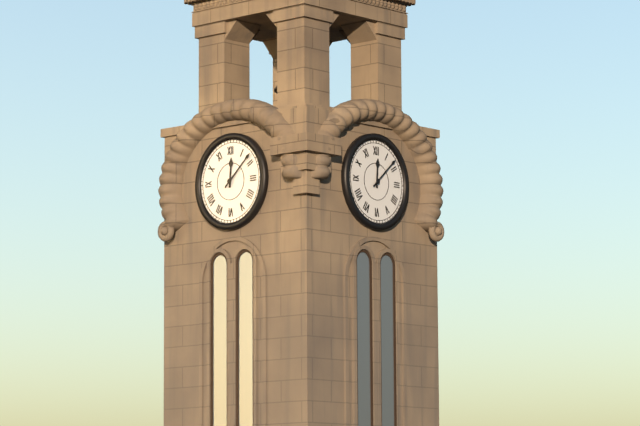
**12:08**
